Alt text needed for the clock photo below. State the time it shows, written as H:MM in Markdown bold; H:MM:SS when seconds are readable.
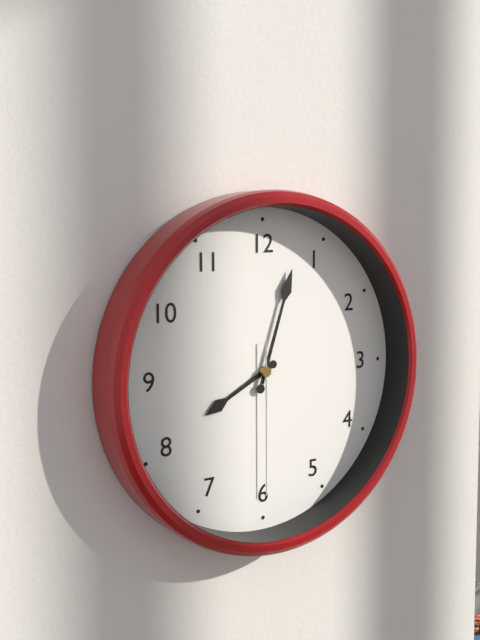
**8:03:30**
